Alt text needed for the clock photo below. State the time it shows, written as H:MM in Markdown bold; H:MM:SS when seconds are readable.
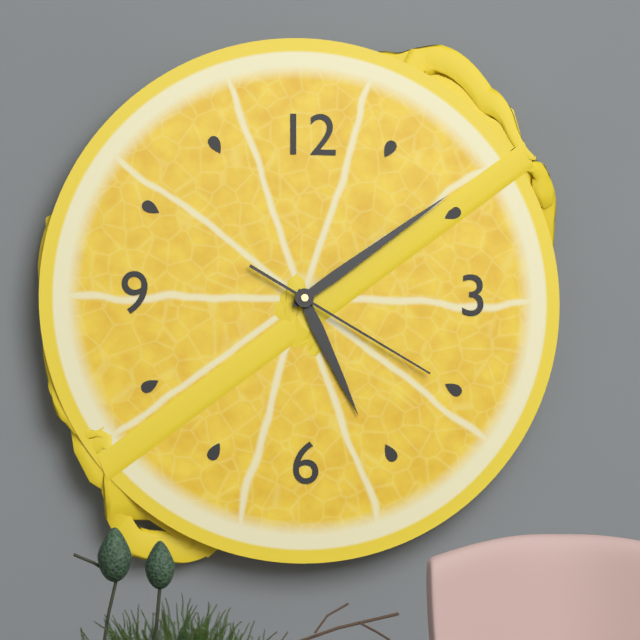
**5:09:20**
